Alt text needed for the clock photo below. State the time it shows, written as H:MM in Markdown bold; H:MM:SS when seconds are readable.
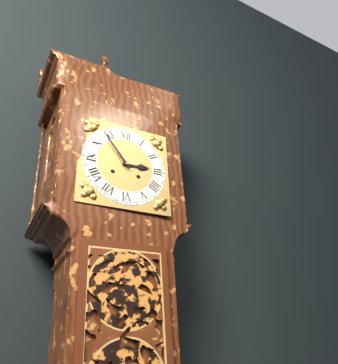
**2:54**
